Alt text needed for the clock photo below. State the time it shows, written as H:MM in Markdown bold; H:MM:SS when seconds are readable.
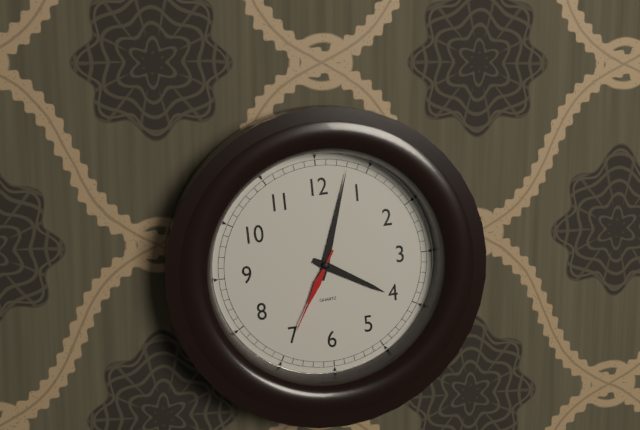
**4:03:35**
